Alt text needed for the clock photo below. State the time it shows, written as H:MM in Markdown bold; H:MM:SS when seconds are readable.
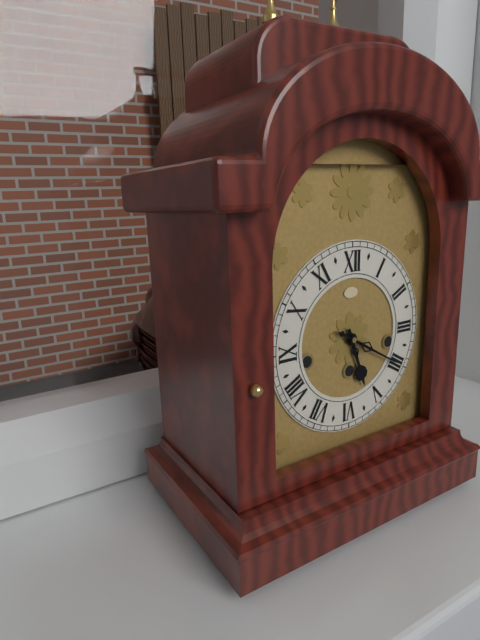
**5:20**
